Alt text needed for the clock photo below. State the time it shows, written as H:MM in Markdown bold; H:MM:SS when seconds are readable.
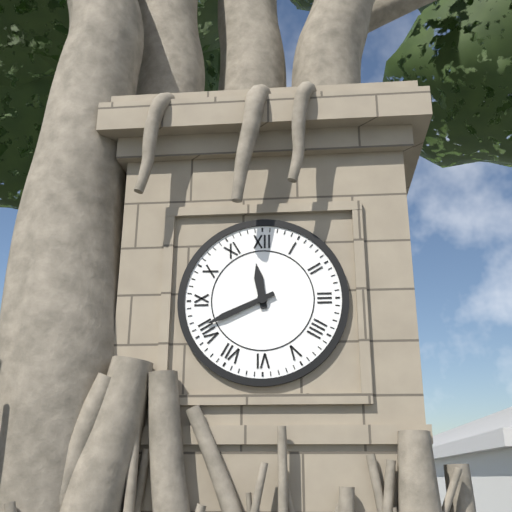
**11:41**
